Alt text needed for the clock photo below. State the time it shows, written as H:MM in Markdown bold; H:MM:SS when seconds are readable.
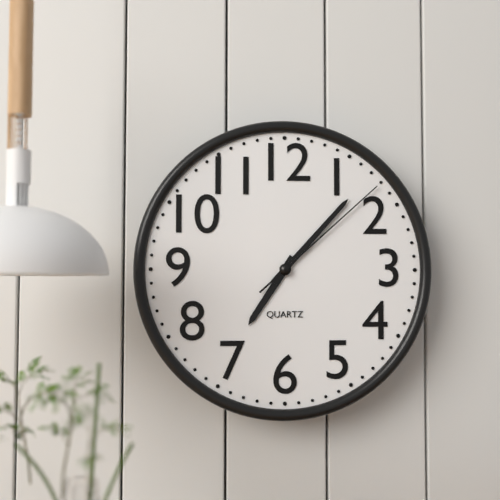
**7:07:08**
